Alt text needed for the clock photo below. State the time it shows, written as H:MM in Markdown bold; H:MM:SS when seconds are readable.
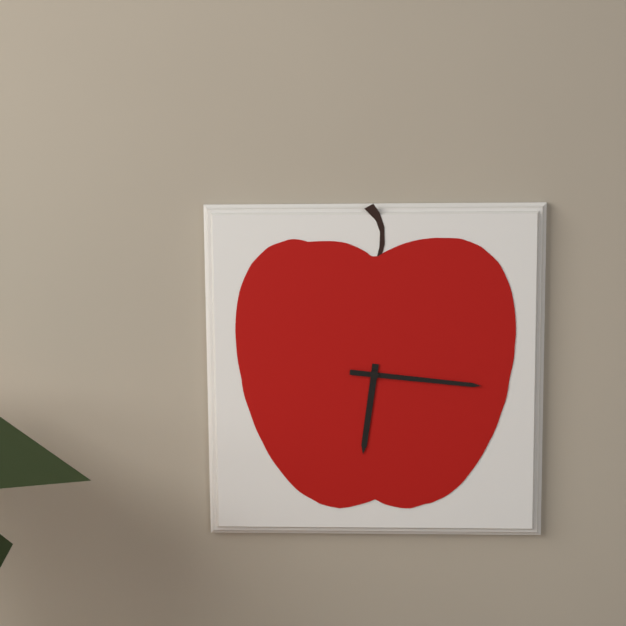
**6:16**
